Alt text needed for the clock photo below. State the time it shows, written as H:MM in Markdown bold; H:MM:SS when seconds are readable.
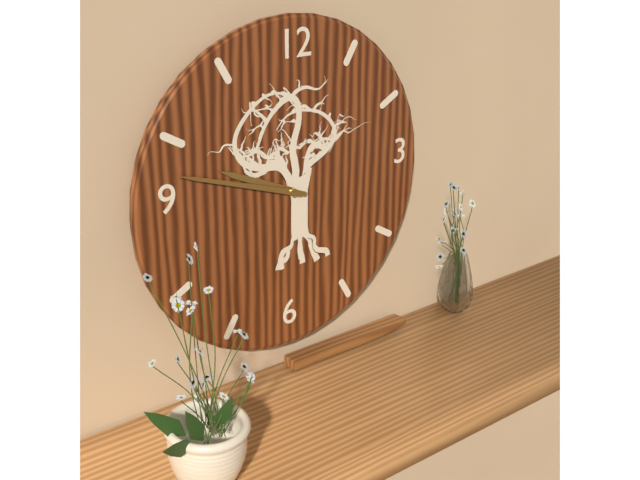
**9:48**
